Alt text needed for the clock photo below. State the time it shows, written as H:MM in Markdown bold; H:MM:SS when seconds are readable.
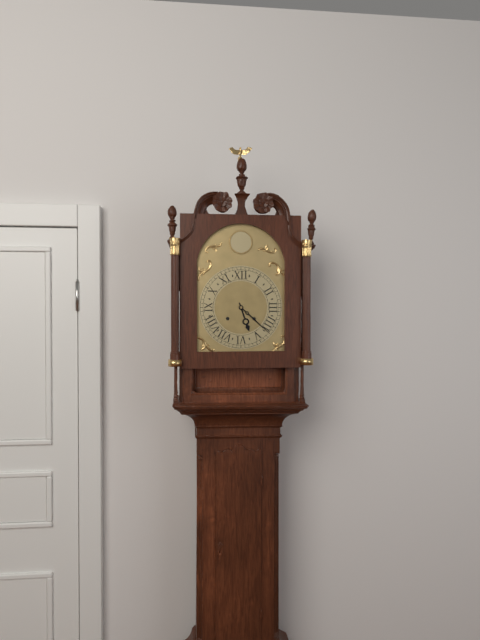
**5:22**
